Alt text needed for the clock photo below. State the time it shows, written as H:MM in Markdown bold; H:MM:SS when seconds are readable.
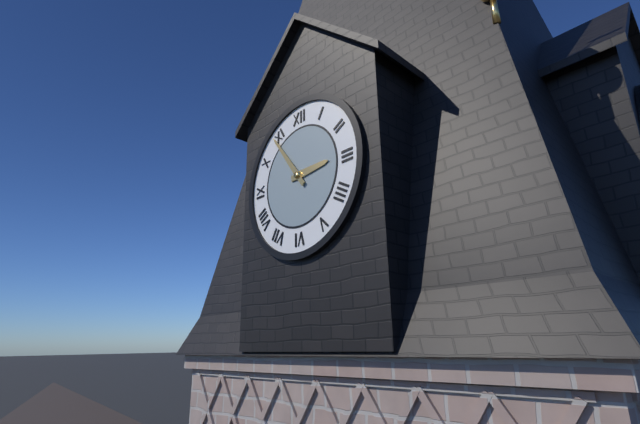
**2:54**
